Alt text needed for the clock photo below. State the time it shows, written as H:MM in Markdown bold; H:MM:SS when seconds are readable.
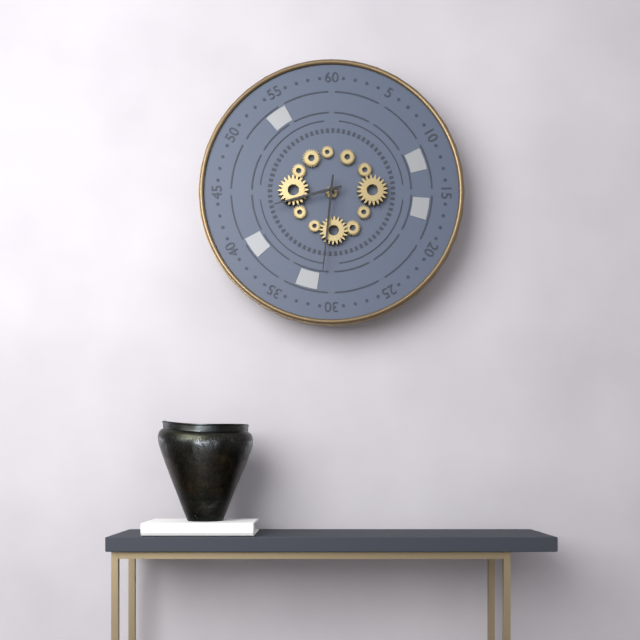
**8:31**
